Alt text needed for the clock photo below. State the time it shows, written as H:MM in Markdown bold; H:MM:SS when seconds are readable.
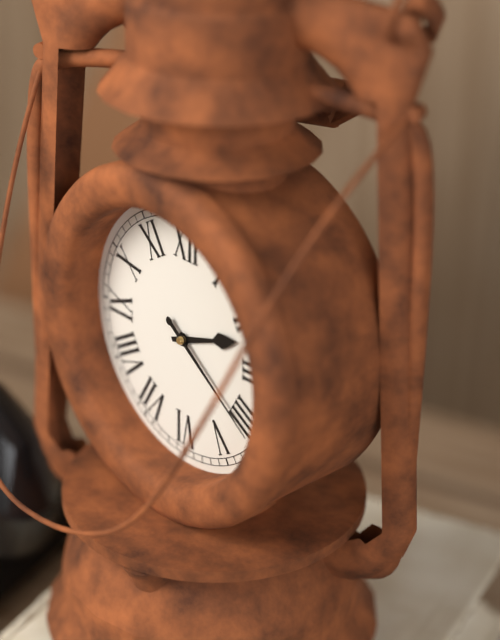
**2:21**
